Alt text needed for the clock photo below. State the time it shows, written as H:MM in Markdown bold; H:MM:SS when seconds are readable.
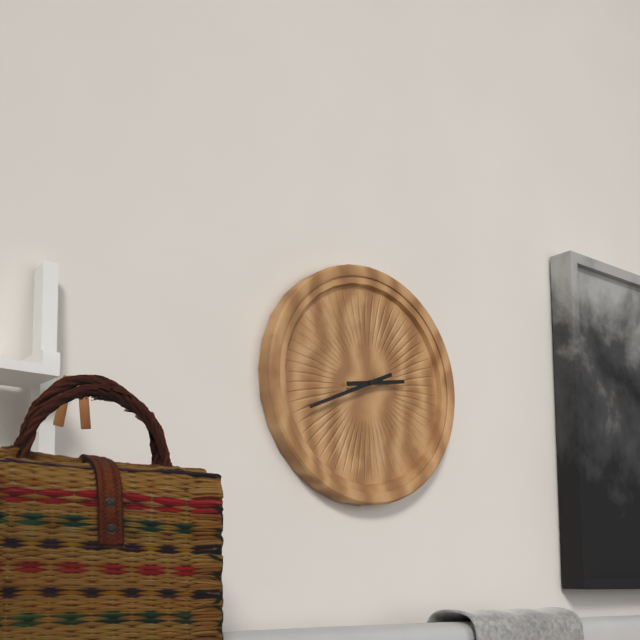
**2:41**
